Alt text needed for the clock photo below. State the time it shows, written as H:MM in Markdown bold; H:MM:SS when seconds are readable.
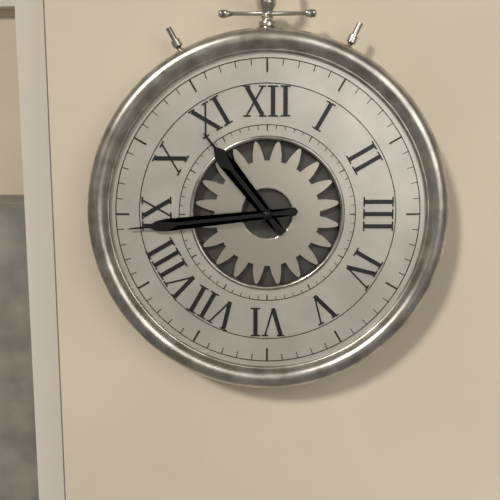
**10:44**
